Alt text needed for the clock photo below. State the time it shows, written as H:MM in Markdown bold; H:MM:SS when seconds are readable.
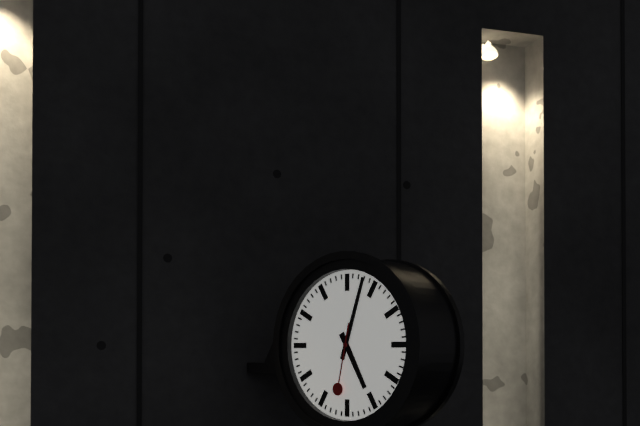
**5:03:32**
